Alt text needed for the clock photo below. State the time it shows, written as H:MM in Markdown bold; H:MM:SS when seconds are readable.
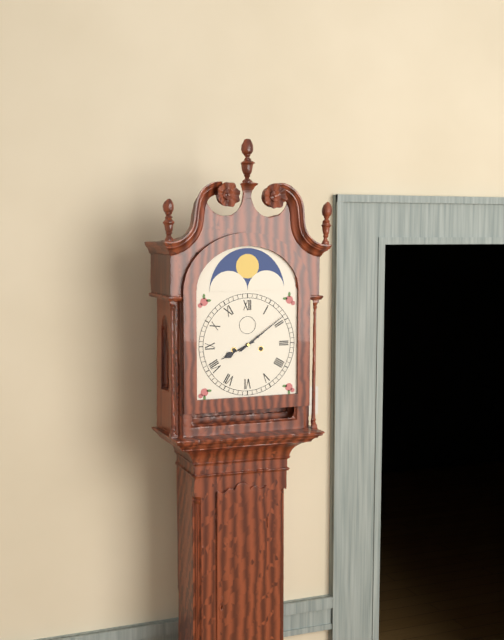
**8:09**
